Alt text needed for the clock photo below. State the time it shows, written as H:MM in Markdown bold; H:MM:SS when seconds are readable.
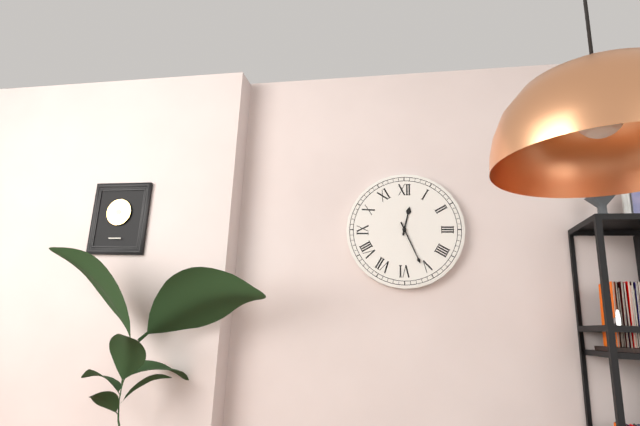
**12:26**
